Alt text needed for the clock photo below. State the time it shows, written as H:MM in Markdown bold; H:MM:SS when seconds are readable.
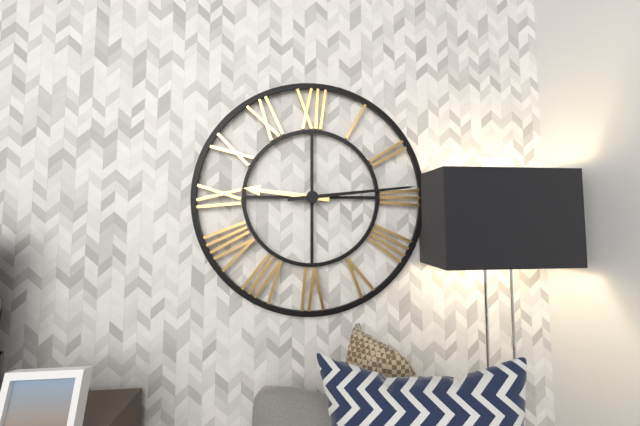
**9:14**
